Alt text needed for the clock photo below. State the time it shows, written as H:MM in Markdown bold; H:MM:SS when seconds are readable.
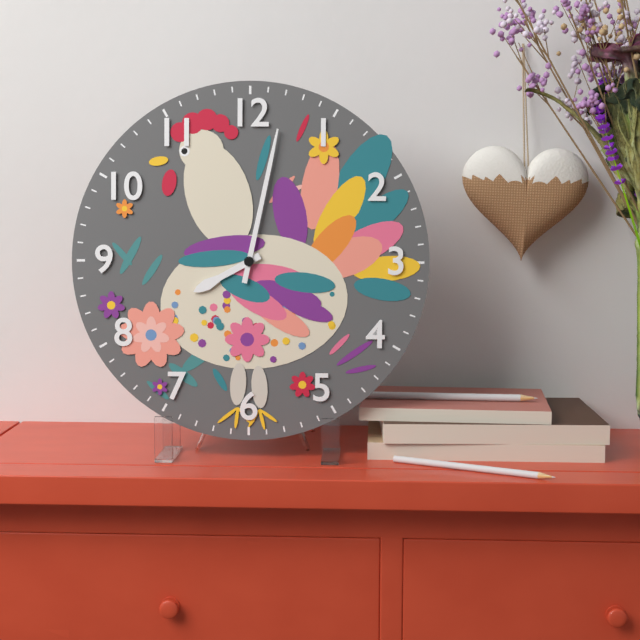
**8:02**
